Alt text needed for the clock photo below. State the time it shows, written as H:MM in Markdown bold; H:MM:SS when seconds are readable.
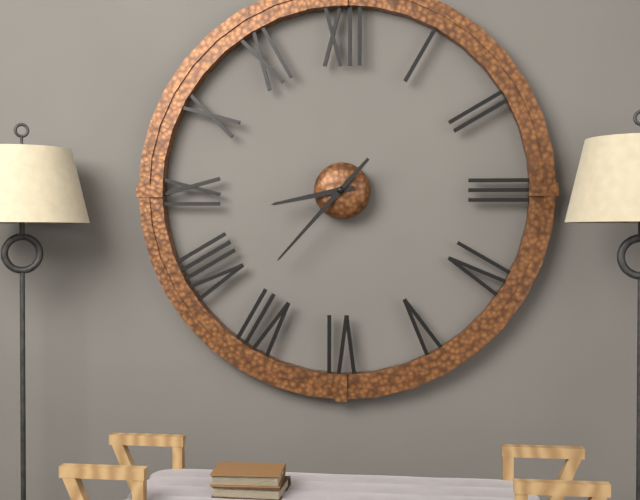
**8:37**
